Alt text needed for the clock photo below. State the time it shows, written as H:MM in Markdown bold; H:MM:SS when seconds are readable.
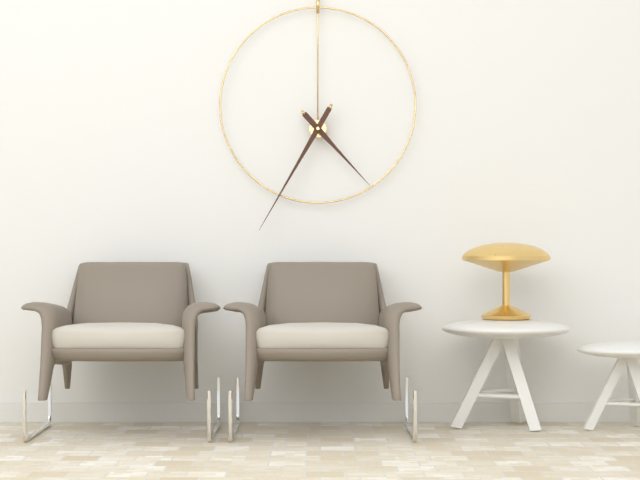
**4:35**
